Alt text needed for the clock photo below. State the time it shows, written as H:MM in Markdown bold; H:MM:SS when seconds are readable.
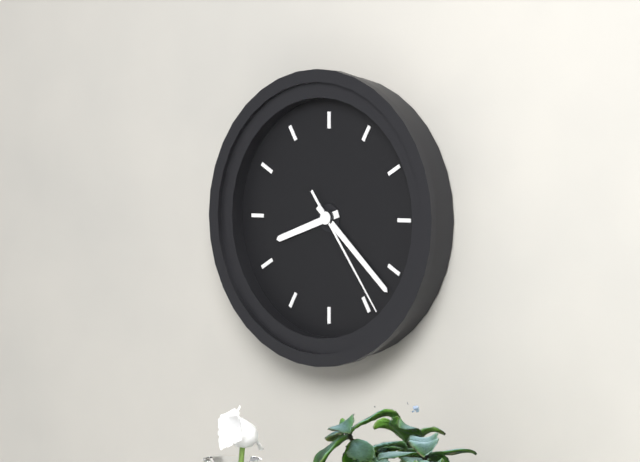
**8:22:24**
